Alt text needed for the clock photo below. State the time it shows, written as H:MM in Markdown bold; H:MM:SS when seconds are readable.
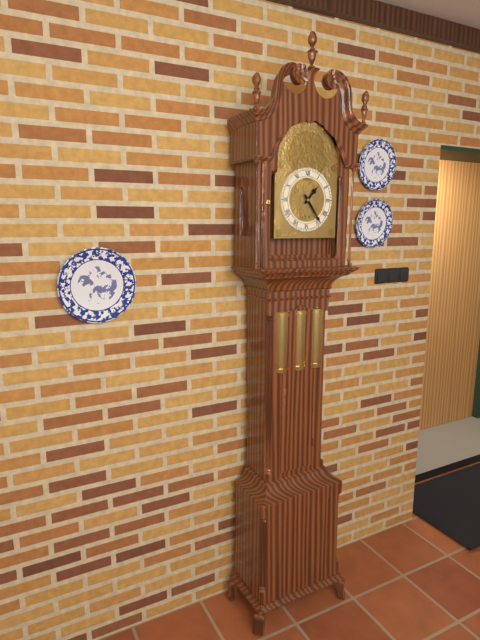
**1:24**
